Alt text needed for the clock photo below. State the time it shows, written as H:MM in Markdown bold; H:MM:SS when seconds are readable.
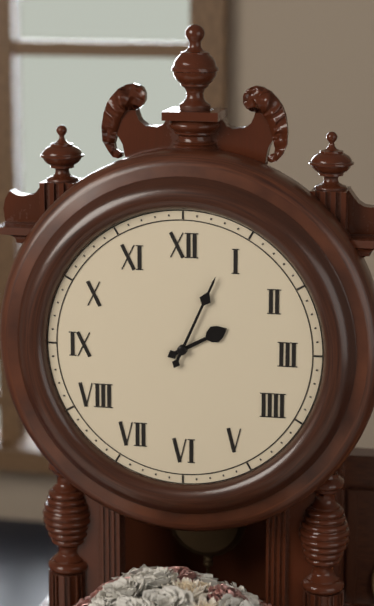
**2:04**
